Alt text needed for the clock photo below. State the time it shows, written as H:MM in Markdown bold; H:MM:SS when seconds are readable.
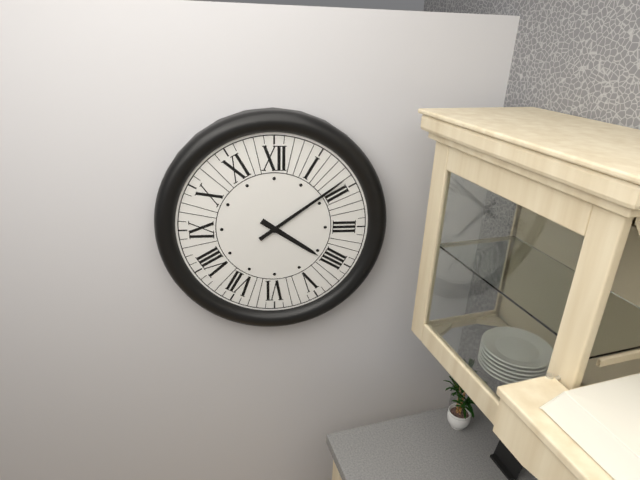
**4:09**
